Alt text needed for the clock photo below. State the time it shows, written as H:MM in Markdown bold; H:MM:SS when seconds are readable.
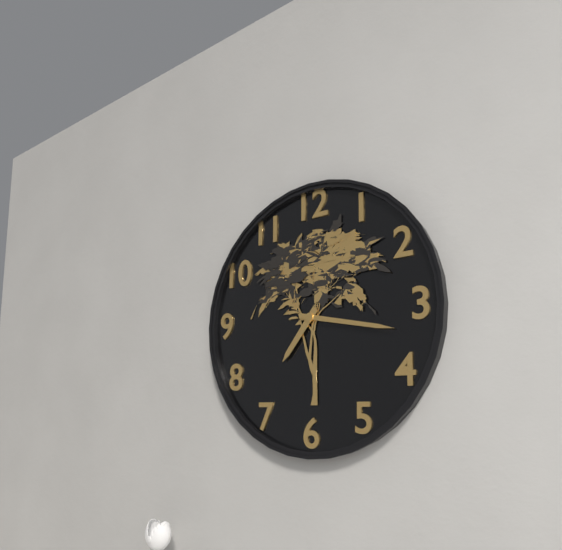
**7:17**
